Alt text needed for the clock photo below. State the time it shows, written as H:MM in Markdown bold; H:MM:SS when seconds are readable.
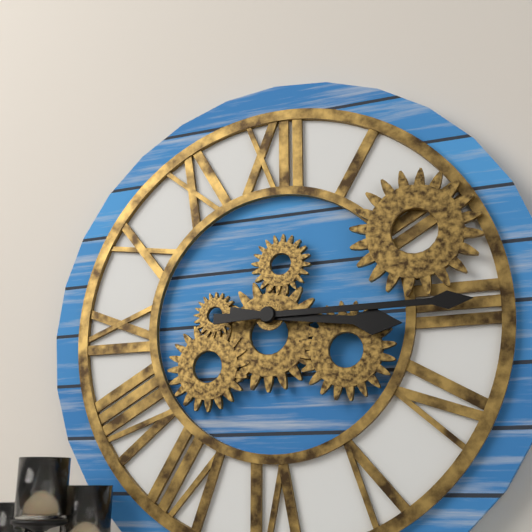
**3:15**
